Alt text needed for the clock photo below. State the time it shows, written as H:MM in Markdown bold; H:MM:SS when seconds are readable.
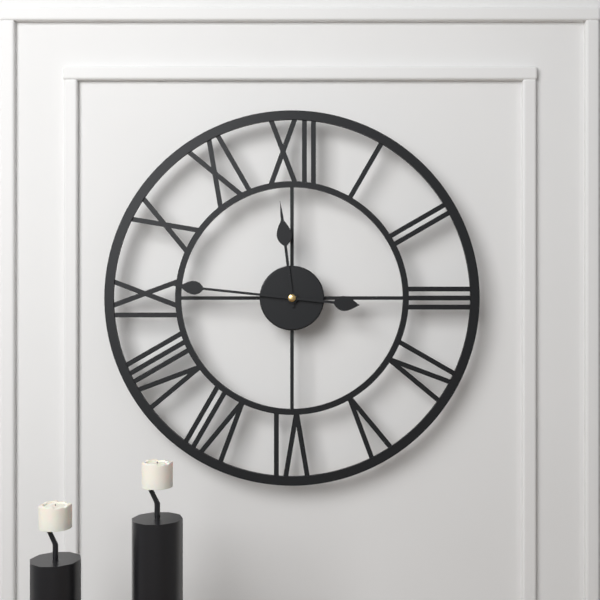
**11:46**
